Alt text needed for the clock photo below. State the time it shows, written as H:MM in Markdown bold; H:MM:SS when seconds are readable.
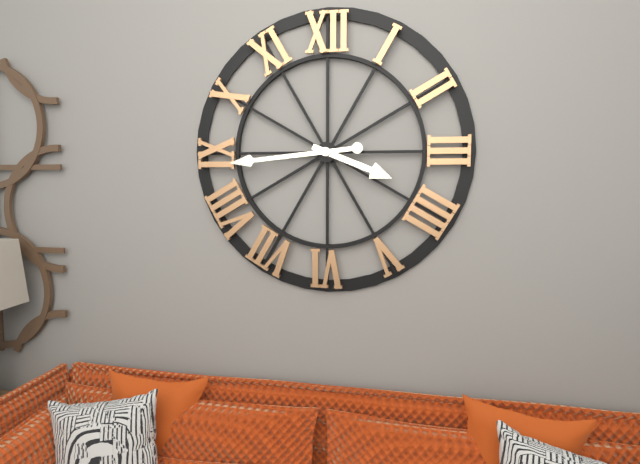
**3:44**
